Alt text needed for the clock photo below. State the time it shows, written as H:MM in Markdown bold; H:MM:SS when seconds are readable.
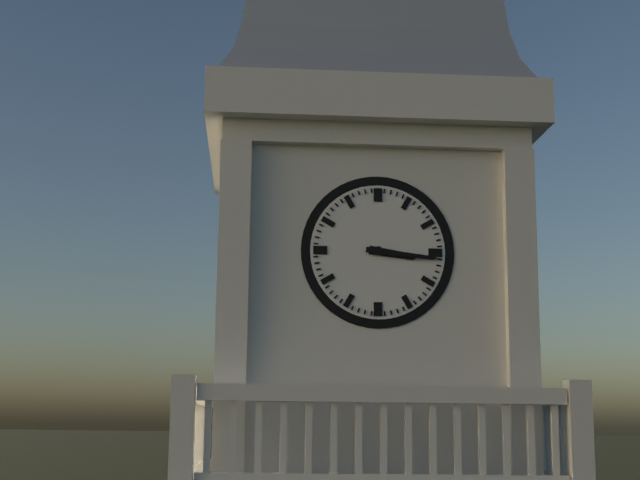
**3:16**
